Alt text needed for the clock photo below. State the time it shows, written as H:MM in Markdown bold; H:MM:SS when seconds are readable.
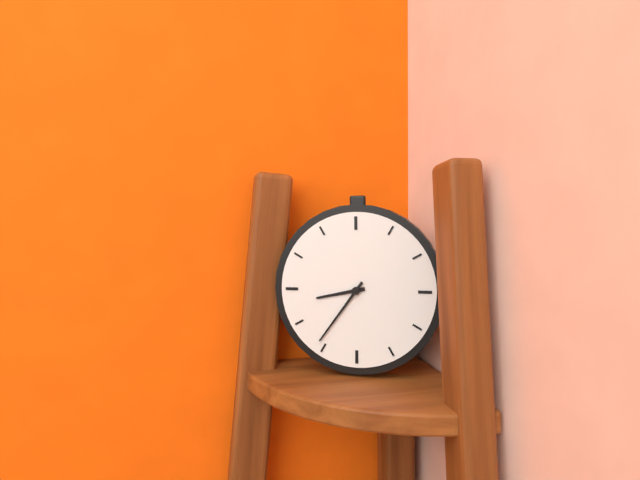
**8:36**
